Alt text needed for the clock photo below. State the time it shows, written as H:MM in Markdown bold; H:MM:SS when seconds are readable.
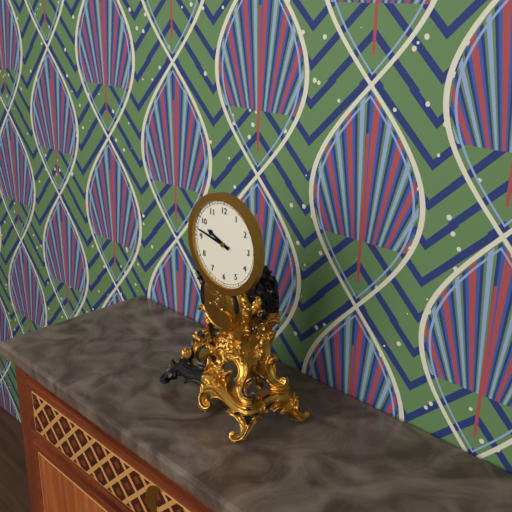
**9:47**
